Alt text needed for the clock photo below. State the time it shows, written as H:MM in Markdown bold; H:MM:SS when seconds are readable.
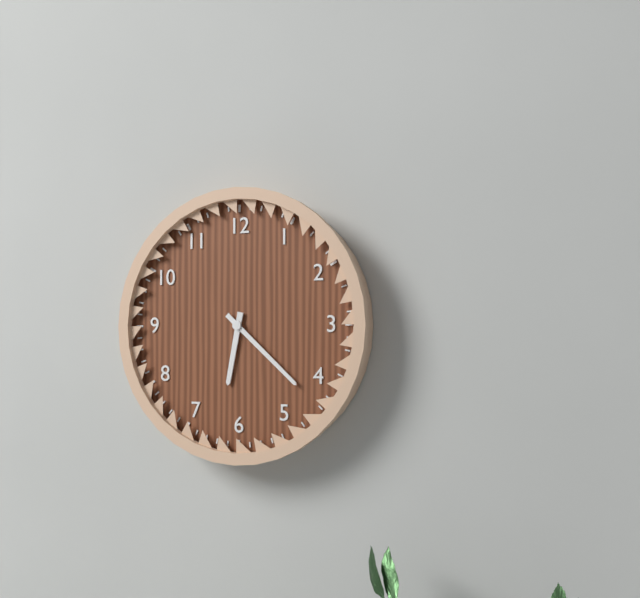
**6:22**
